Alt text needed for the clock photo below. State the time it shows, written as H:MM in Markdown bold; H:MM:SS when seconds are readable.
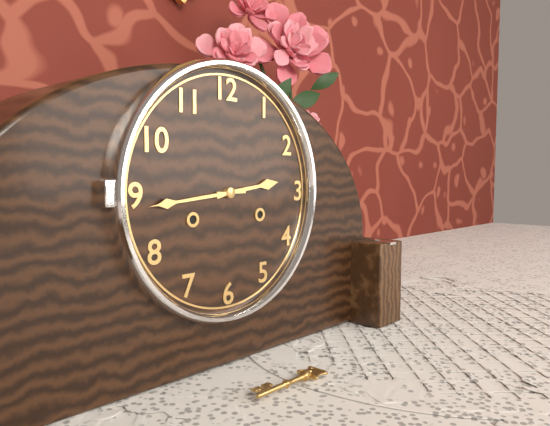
**2:44**
